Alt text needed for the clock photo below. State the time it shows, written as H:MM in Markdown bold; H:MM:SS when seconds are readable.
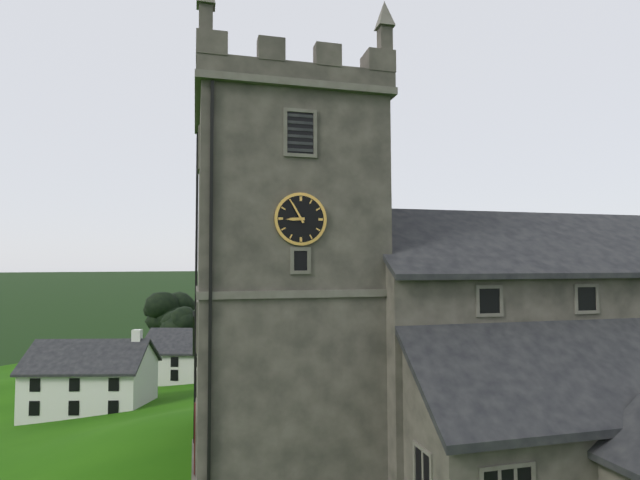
**8:55**
